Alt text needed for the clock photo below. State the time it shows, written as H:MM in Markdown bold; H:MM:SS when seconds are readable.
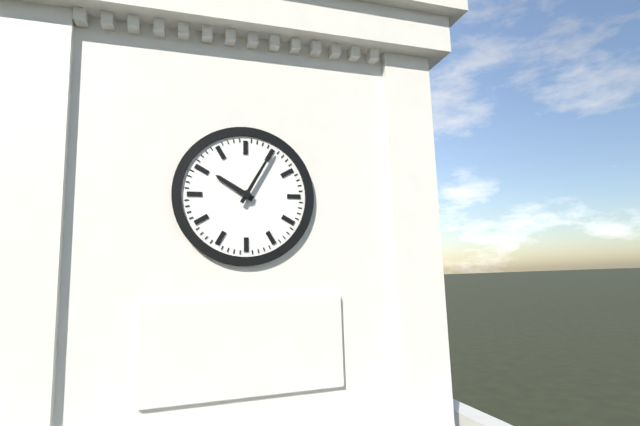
**10:05**
